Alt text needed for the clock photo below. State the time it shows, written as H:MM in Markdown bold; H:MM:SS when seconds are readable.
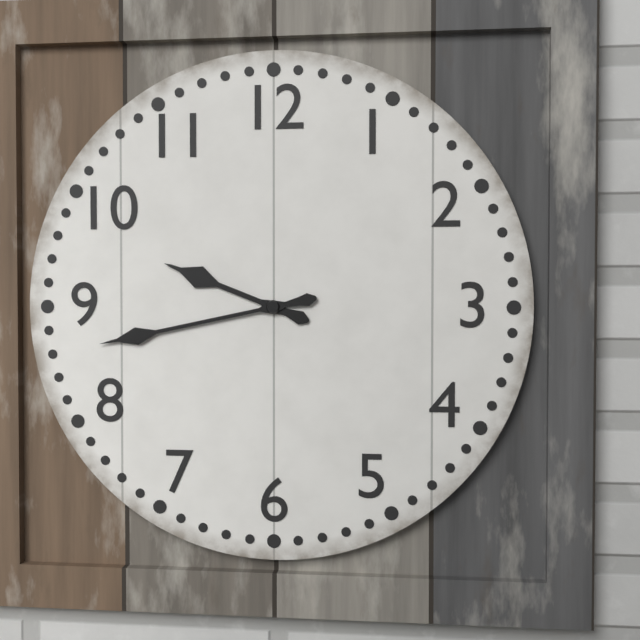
**9:43**
